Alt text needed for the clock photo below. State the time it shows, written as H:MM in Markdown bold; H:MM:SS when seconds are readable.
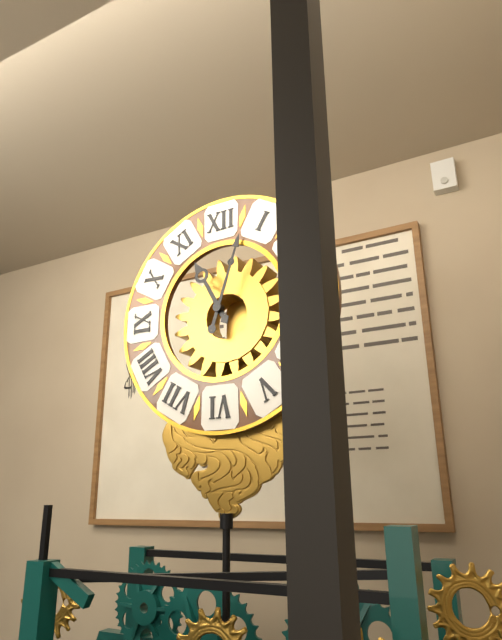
**11:03**
